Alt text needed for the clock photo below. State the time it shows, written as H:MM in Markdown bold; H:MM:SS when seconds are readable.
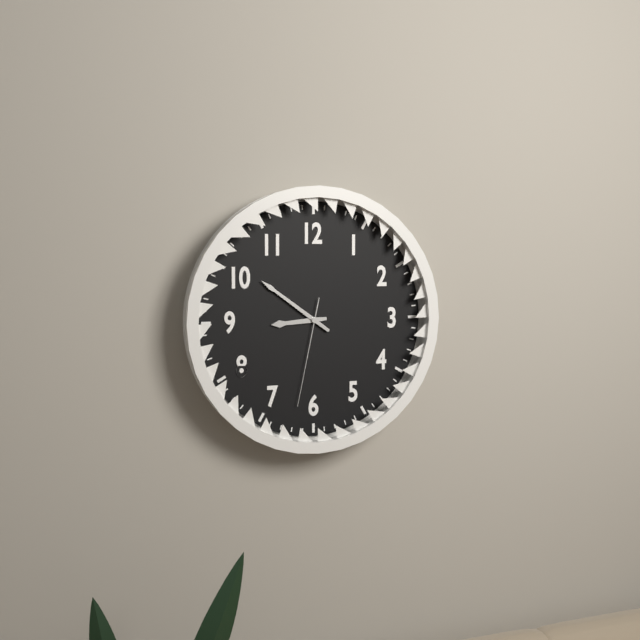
**8:51:32**
